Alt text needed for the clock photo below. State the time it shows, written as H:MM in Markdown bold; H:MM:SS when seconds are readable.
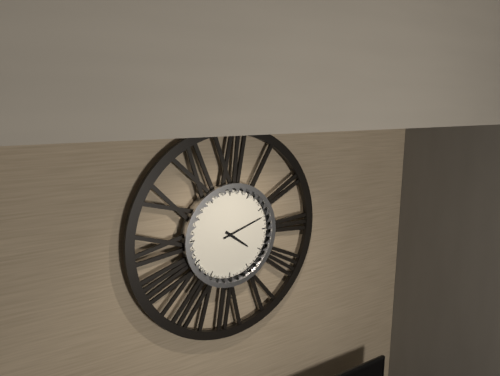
**4:12**
